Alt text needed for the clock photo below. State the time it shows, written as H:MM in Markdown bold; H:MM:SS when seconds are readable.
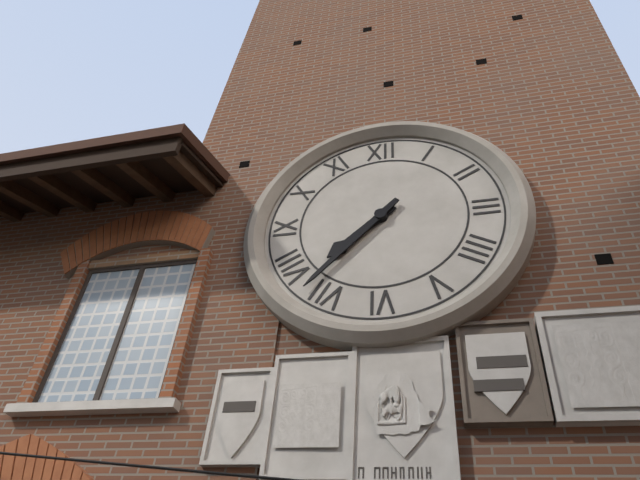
**7:37**
